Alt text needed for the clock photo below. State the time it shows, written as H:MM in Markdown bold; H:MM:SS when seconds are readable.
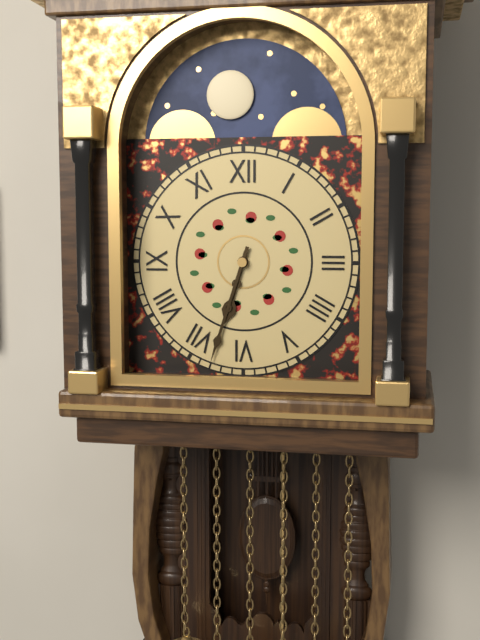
**6:33**
